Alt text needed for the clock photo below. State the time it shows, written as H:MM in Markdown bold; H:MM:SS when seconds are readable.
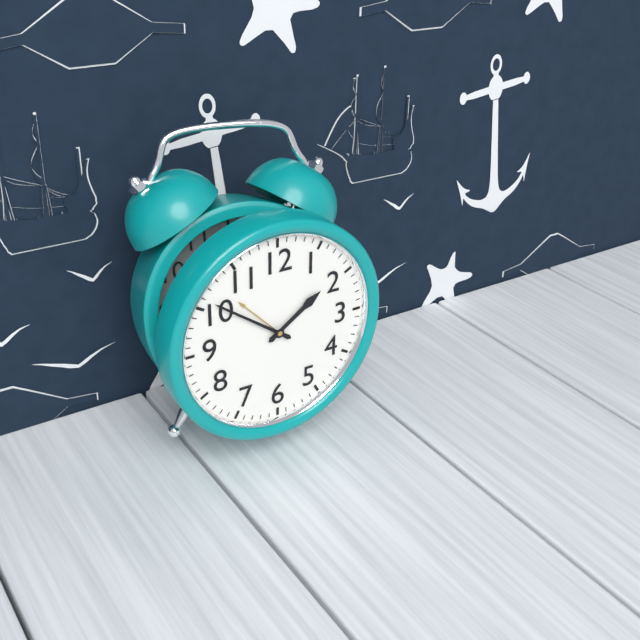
**1:51**
